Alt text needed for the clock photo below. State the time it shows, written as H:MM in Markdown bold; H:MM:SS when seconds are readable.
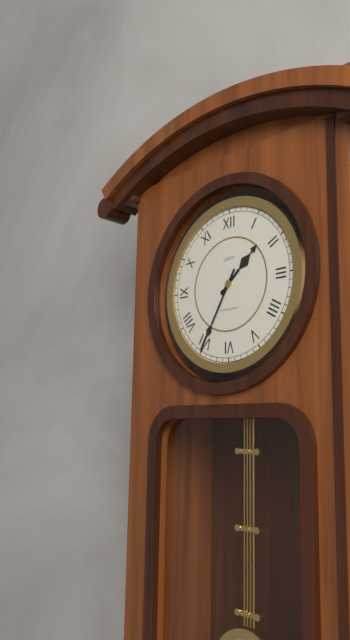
**1:35**
